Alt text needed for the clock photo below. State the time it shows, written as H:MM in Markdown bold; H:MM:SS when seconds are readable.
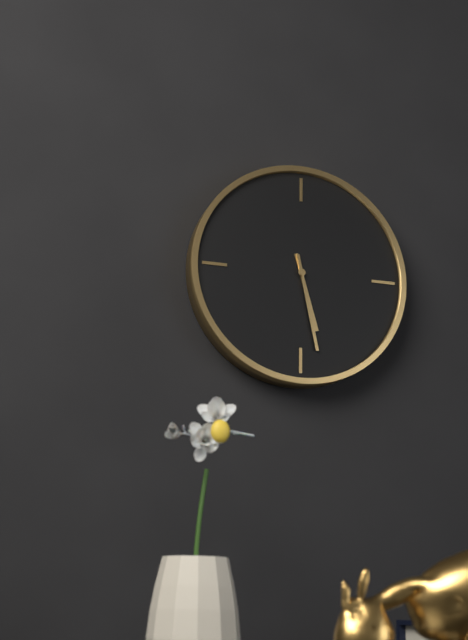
**5:28**
